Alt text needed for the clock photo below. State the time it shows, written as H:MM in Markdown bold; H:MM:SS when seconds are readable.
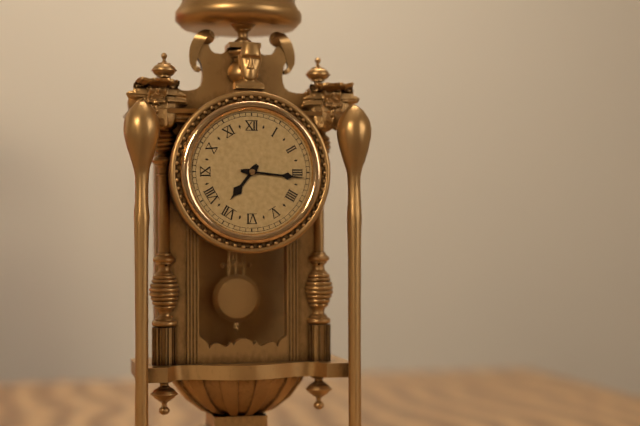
**7:16**
